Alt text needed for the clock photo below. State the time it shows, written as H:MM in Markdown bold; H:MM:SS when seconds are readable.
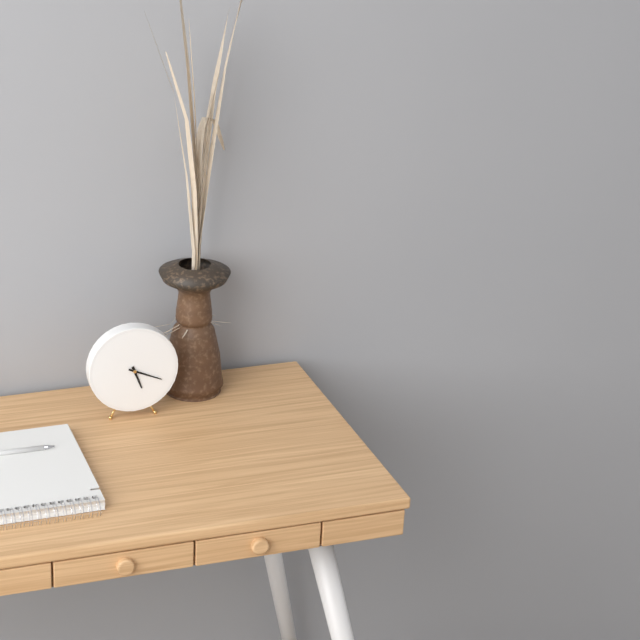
**5:19**
